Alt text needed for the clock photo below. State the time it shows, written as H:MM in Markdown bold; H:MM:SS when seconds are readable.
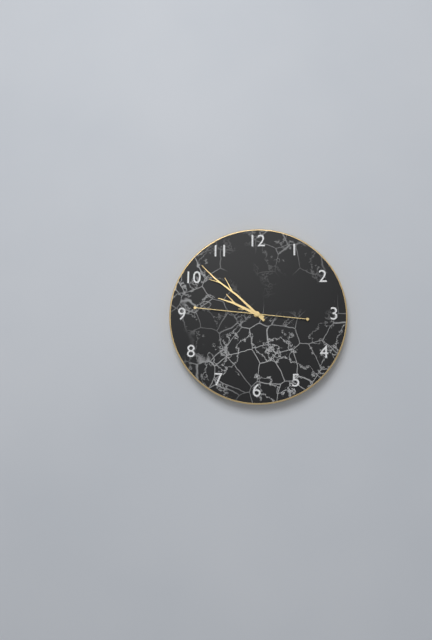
**9:52:46**
